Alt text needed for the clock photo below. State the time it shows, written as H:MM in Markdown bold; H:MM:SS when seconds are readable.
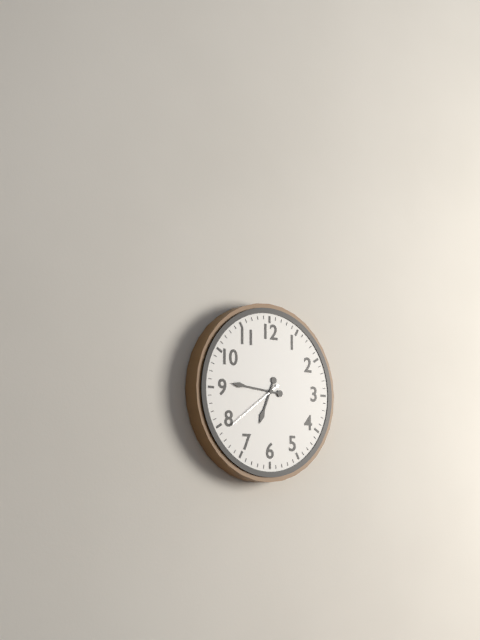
**6:46:39**
